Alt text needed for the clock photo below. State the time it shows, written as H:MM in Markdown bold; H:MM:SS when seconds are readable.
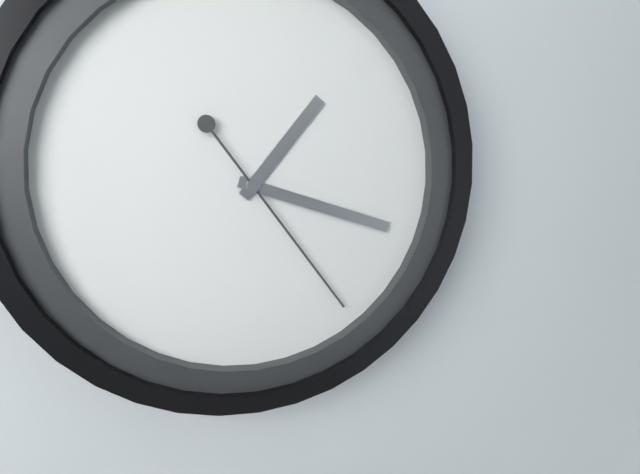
**1:18:24**
